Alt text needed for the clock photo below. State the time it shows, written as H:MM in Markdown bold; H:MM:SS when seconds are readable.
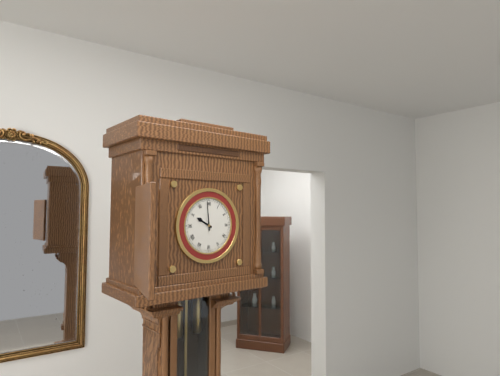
**9:59**
